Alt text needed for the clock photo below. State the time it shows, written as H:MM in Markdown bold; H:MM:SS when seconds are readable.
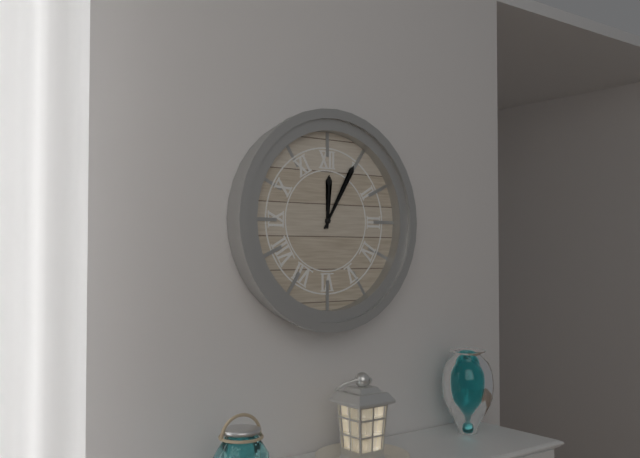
**12:05**
